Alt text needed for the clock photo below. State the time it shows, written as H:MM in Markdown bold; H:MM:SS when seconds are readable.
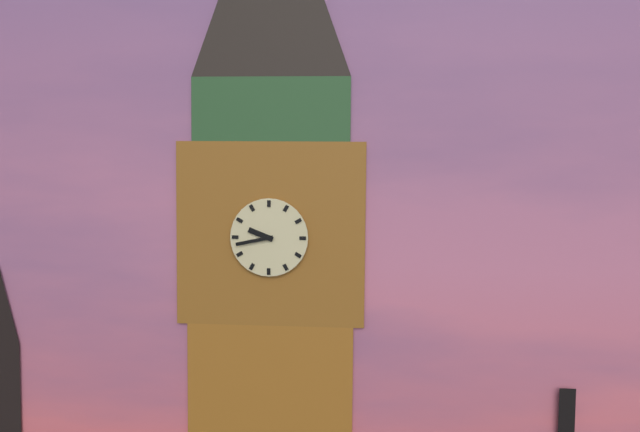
**9:43**
